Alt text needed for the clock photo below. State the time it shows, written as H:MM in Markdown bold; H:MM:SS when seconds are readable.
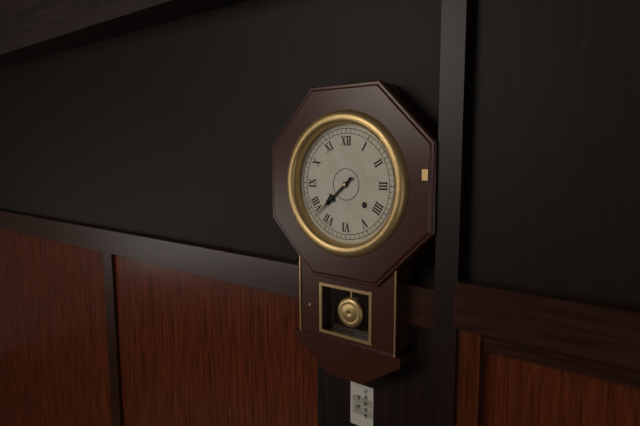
**7:38**
